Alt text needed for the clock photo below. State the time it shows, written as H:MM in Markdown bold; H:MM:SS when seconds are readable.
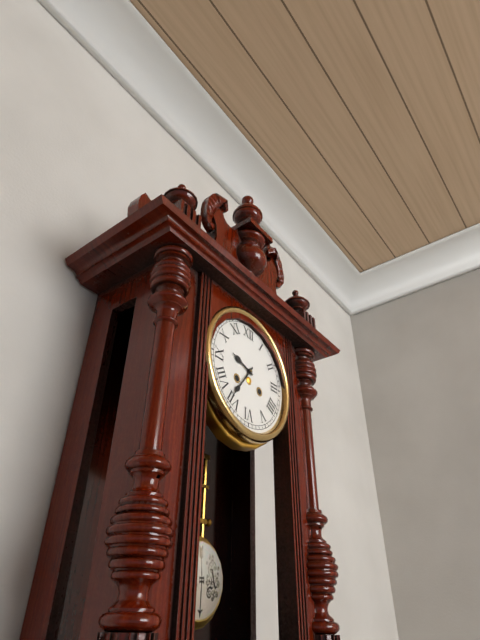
**9:36**
